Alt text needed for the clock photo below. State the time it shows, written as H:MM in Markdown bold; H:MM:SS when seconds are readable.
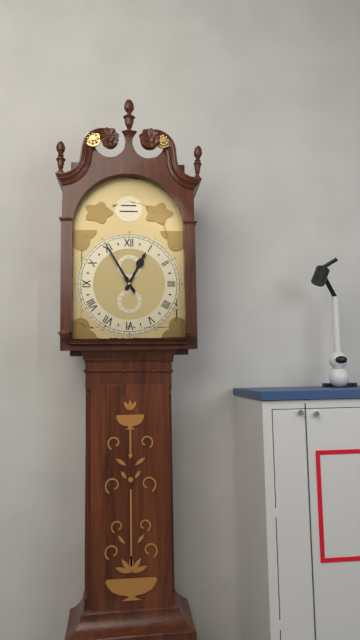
**12:55**
